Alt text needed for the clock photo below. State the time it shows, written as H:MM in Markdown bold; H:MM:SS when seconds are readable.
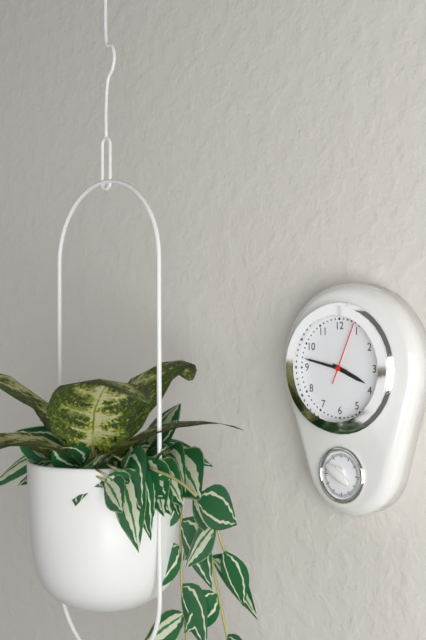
**3:47:04**
